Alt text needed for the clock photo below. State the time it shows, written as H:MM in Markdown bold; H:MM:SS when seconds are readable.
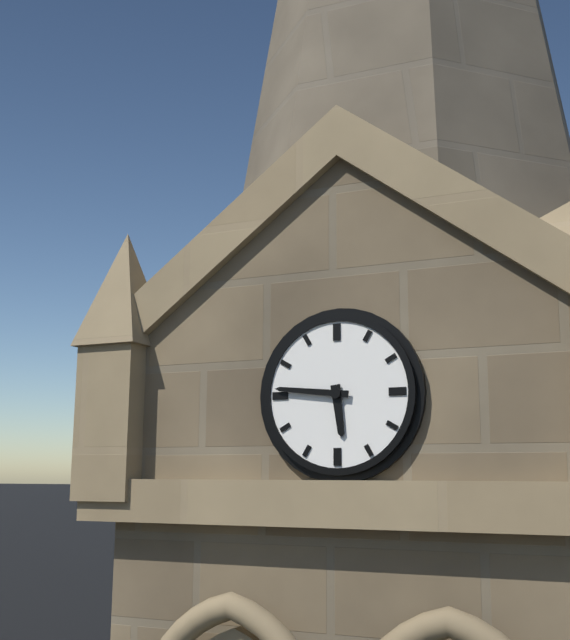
**5:46**
